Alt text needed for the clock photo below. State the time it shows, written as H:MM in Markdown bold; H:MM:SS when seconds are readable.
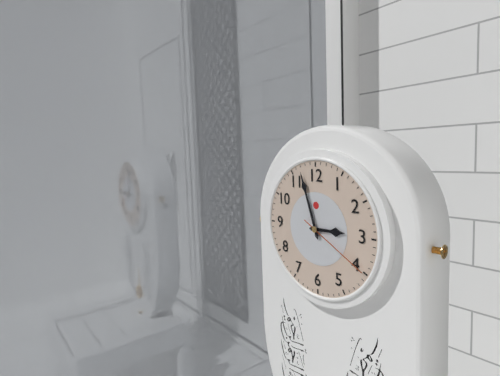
**2:57:20**
